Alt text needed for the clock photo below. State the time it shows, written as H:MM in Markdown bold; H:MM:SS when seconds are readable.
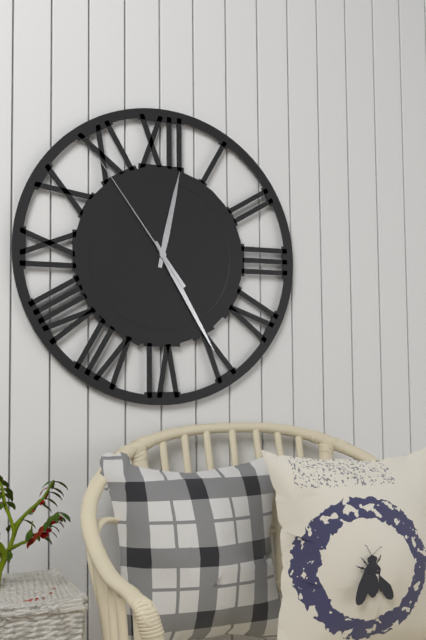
**12:25:54**
